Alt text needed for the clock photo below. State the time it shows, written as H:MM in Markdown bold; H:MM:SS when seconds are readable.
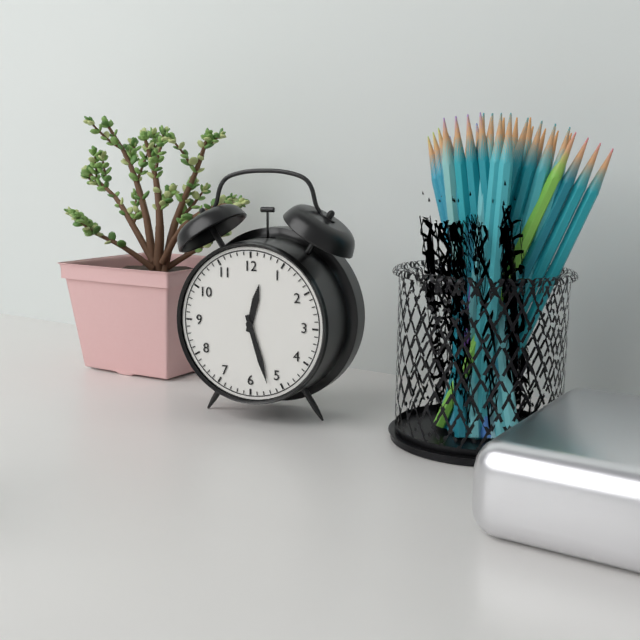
**12:27**
